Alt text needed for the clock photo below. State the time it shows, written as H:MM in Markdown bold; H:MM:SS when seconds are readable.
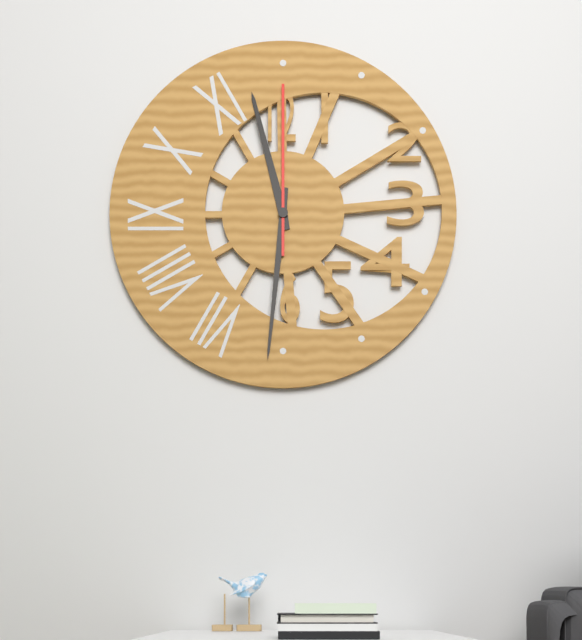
**11:31:00**
